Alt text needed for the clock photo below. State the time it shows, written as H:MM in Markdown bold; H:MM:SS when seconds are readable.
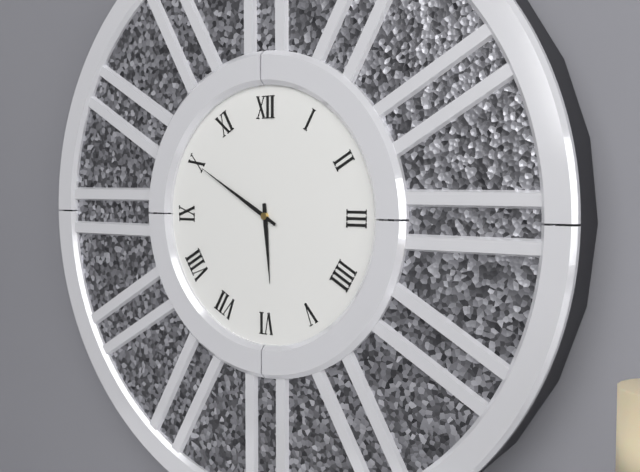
**5:50**
